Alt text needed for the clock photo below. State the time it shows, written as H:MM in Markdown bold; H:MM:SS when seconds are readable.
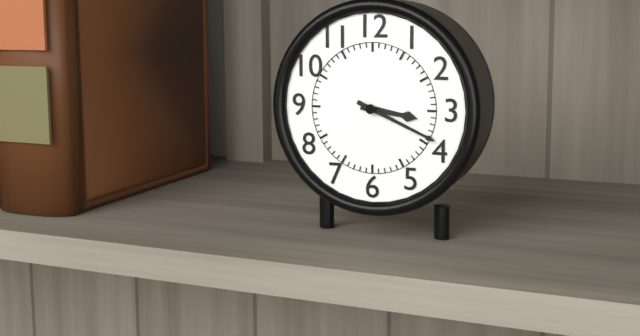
**3:19**
